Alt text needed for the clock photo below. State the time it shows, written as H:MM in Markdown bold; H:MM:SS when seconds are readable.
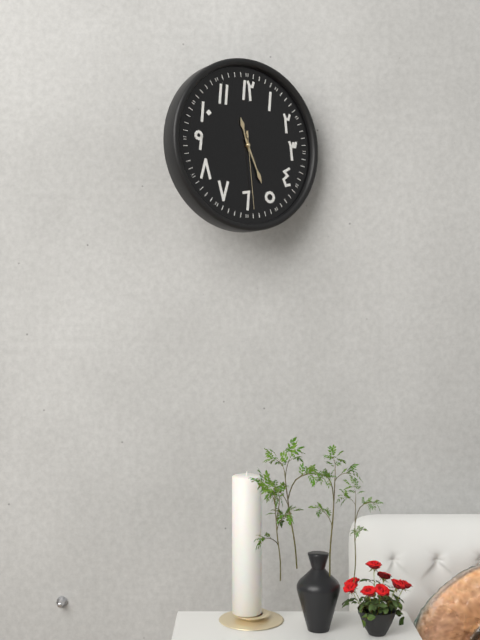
**11:26:29**
